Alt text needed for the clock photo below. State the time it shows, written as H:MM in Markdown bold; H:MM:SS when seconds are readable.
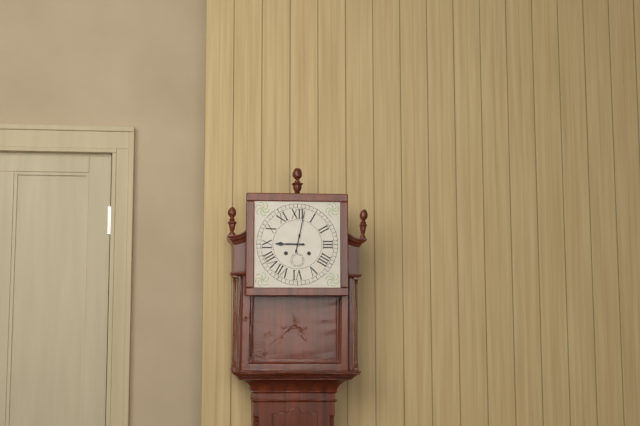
**9:02**
